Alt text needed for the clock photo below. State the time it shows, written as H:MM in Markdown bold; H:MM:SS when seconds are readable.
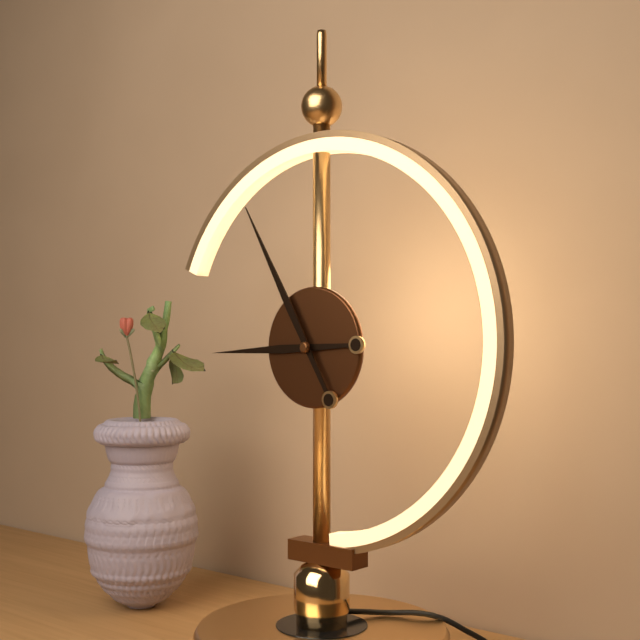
**8:55**
